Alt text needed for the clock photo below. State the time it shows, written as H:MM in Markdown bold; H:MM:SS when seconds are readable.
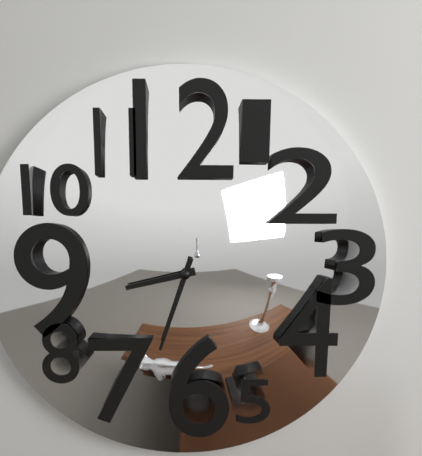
**8:33**
